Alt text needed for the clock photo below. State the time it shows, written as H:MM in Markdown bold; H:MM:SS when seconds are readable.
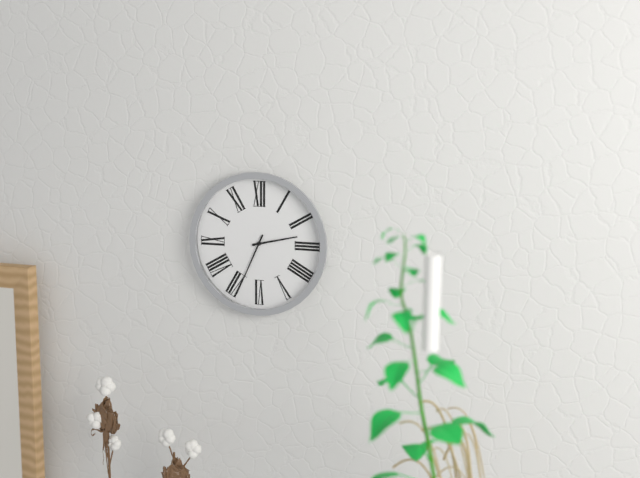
**2:34**
